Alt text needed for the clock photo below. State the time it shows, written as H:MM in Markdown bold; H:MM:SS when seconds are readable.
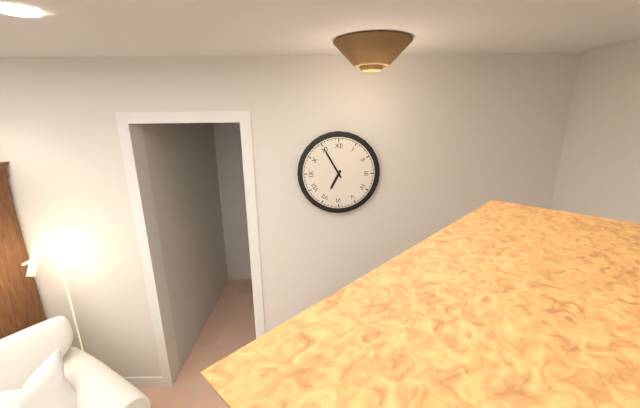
**6:55**
